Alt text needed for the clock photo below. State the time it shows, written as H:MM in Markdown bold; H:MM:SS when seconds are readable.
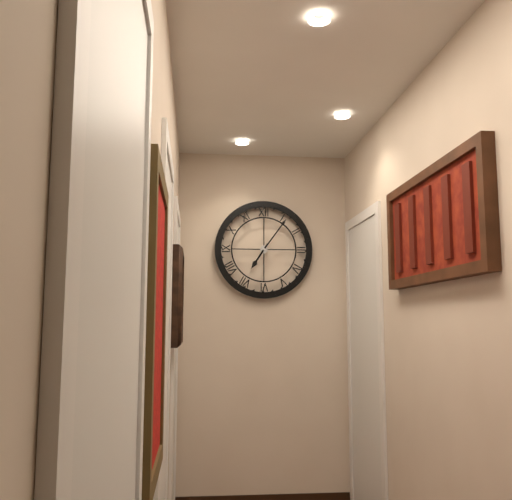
**7:06**
